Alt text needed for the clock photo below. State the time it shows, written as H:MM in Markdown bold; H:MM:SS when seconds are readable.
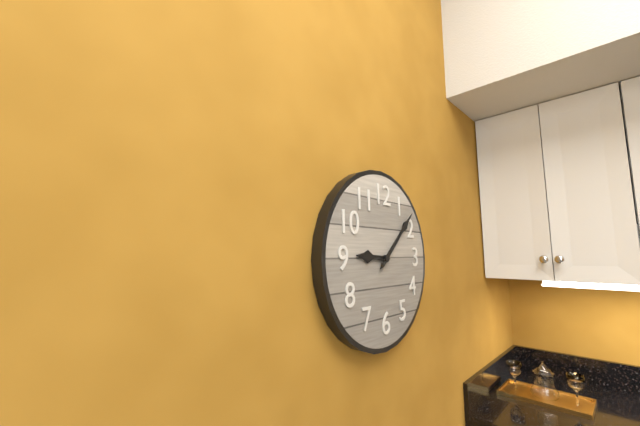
**9:08**
